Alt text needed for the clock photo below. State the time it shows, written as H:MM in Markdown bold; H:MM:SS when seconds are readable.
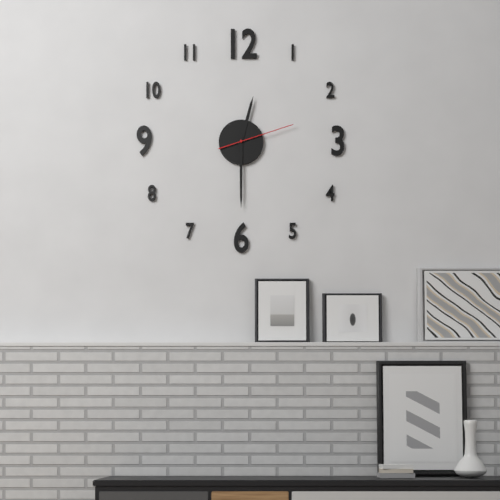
**12:30:12**
